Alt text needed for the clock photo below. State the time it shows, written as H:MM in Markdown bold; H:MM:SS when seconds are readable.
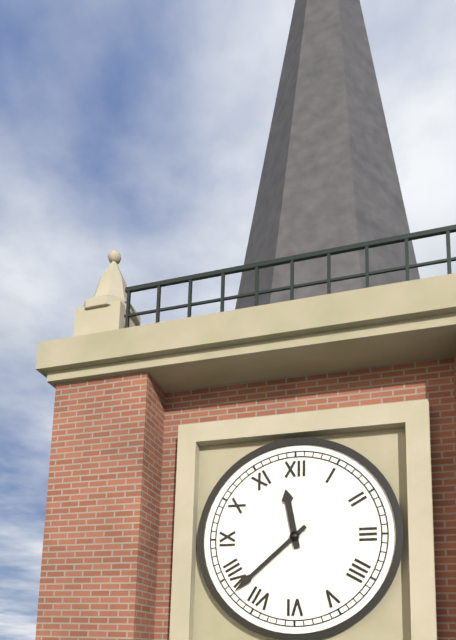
**11:38**
